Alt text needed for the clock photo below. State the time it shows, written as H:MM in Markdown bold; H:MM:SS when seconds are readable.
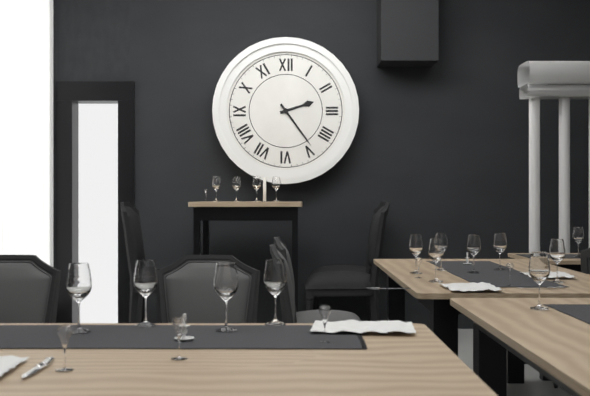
**2:24**
